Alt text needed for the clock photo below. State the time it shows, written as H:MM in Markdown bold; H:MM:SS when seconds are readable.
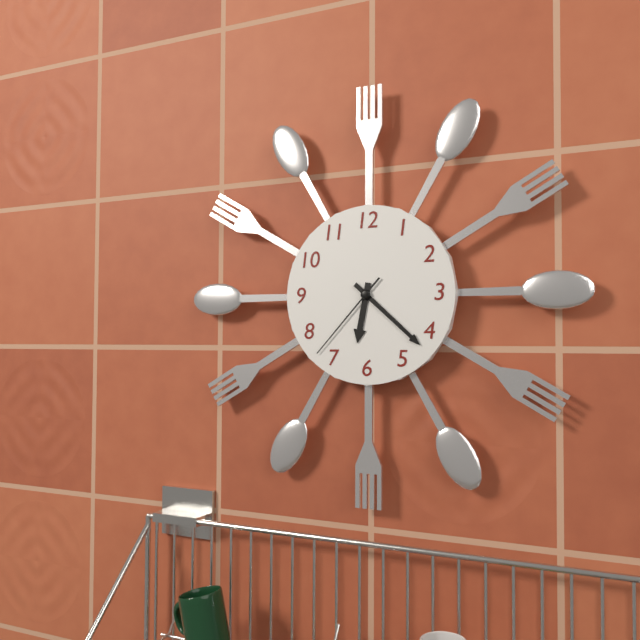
**6:22:37**
